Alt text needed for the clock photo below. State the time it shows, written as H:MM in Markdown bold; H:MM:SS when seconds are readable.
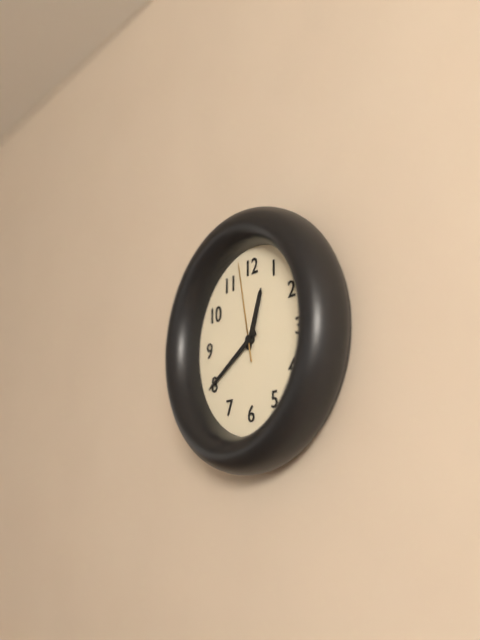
**12:40:58**
